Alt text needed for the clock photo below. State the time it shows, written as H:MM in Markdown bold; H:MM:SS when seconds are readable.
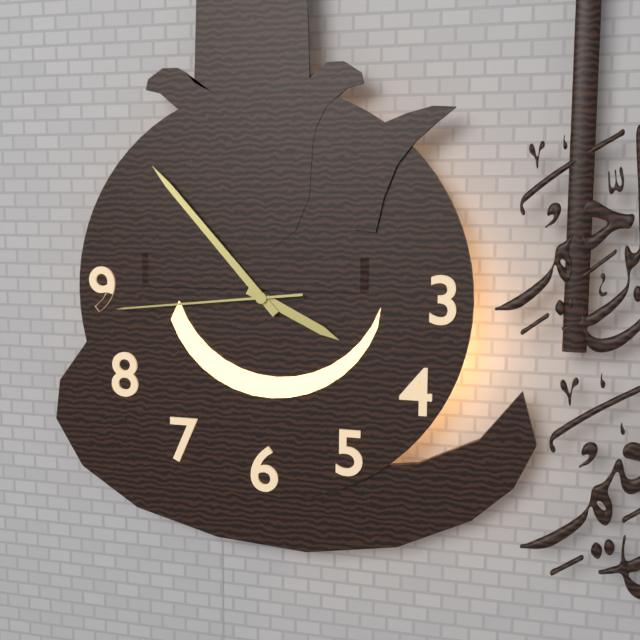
**3:53:44**
